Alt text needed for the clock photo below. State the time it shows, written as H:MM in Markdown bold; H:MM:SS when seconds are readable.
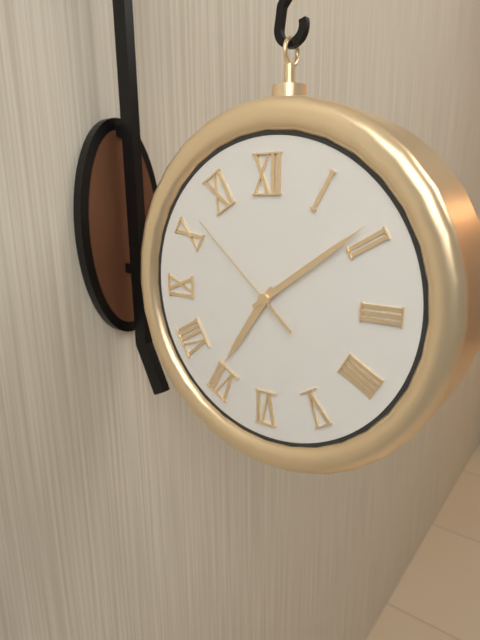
**7:09:52**
